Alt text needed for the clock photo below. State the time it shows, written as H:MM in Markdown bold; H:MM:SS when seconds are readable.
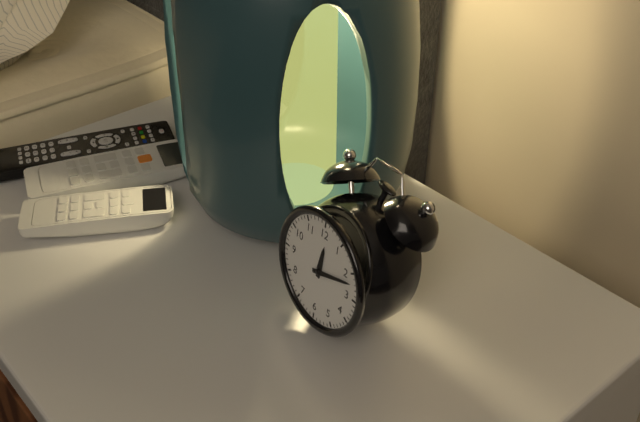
**12:12**
